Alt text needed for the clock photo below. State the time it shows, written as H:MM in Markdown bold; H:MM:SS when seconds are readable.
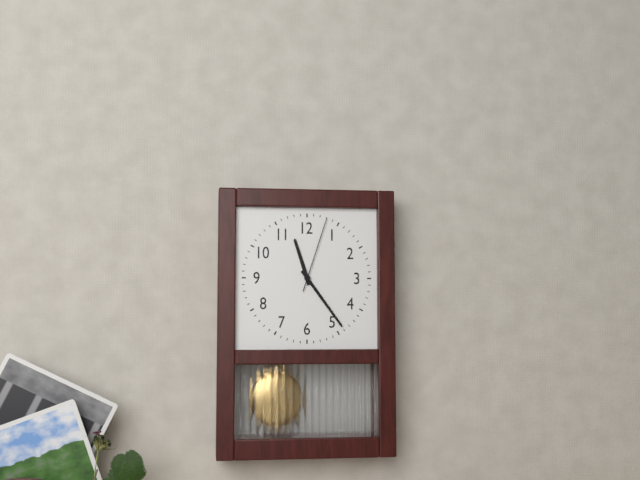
**11:24:03**
